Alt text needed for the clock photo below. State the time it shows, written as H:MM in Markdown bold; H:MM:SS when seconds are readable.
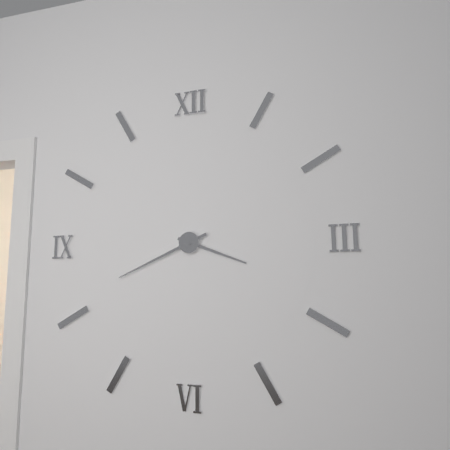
**3:41**
